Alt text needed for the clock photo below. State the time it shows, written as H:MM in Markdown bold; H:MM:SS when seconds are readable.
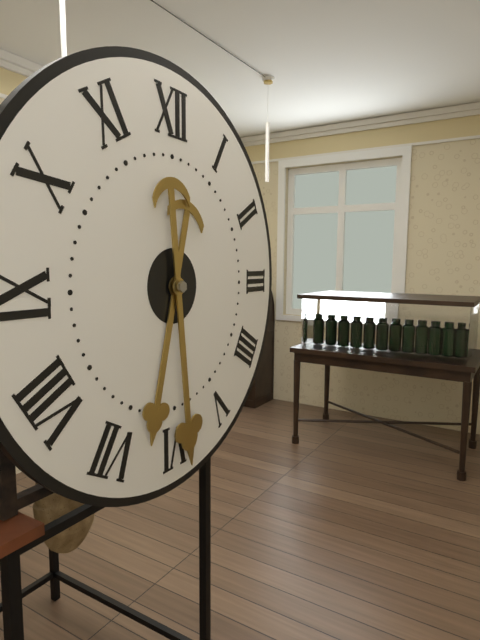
**6:29**
